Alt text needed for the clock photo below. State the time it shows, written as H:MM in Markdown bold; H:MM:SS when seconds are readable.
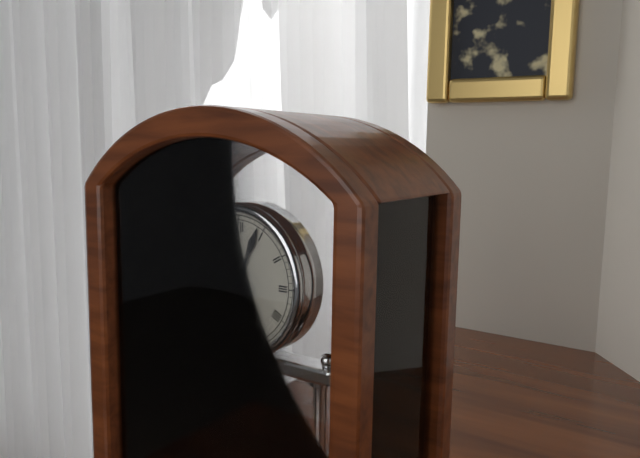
**5:04**
